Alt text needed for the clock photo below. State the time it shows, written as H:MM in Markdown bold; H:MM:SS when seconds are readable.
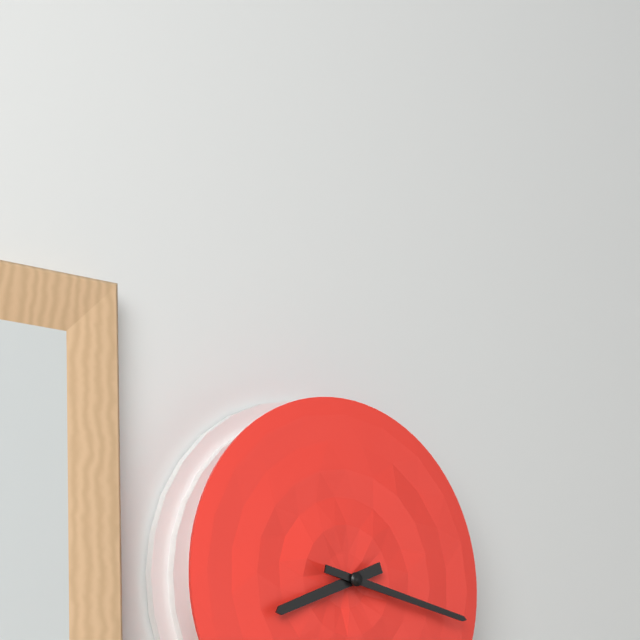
**8:17**
